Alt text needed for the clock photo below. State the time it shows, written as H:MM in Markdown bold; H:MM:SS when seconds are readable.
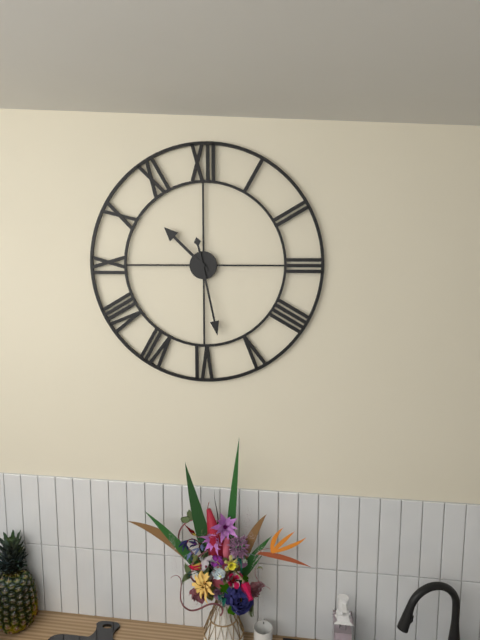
**10:28**
